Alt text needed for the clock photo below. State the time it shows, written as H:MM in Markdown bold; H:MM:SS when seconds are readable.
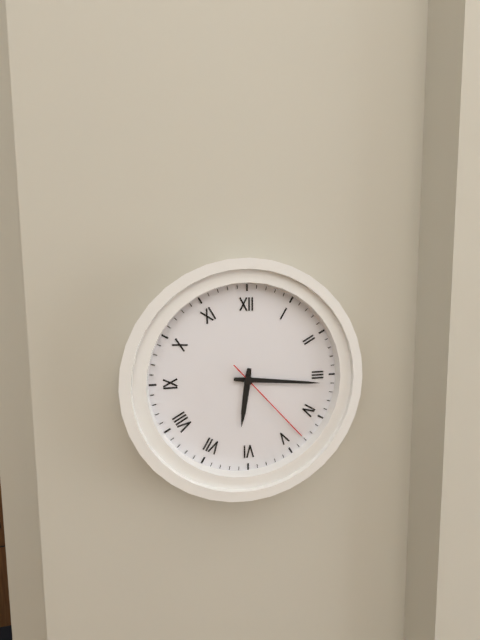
**6:16:23**
